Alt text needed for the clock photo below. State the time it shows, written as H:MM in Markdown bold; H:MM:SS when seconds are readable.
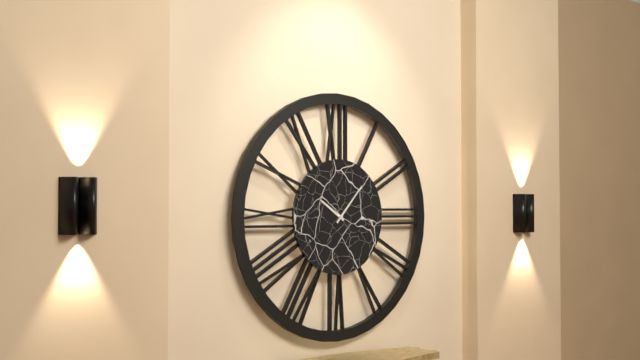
**10:07**
